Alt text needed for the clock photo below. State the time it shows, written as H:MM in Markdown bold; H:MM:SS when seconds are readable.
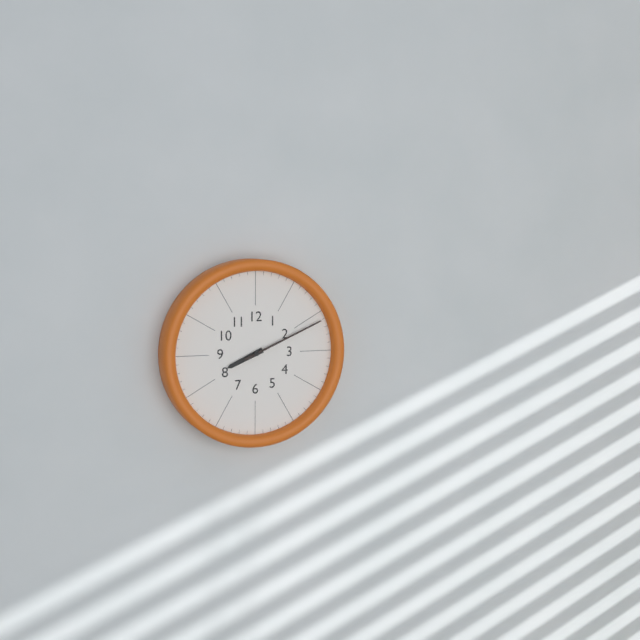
**8:11**
